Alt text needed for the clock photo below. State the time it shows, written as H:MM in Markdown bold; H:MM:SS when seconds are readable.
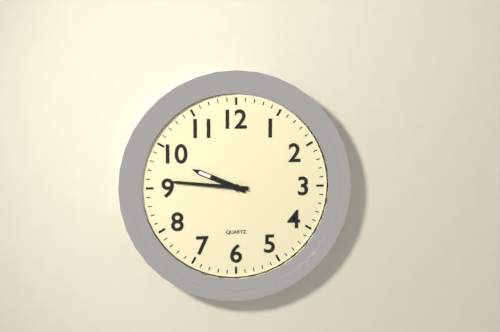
**9:46**
